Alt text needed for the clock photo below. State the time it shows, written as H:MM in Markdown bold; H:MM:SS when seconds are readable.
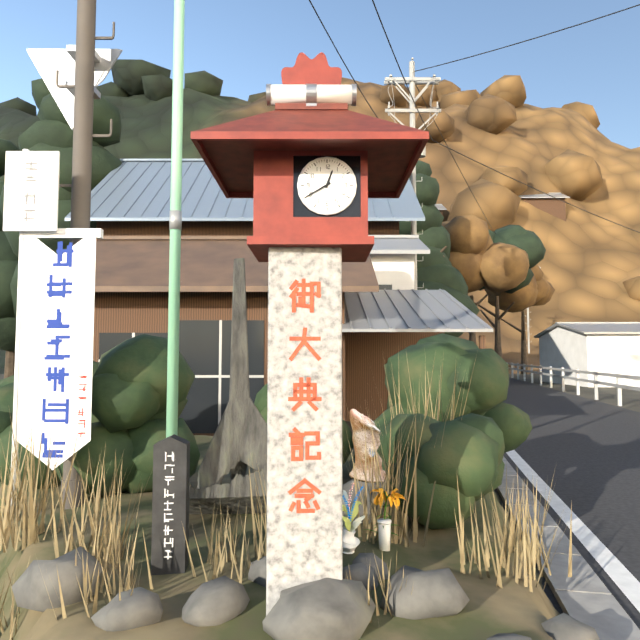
**12:40**
